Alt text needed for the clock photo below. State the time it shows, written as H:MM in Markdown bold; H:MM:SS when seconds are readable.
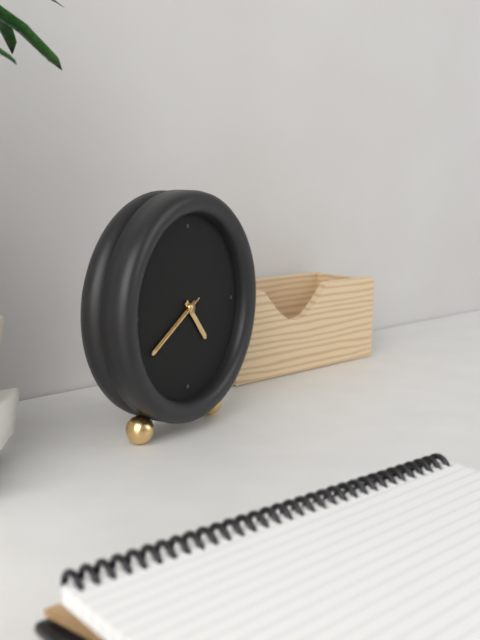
**4:40:40**
